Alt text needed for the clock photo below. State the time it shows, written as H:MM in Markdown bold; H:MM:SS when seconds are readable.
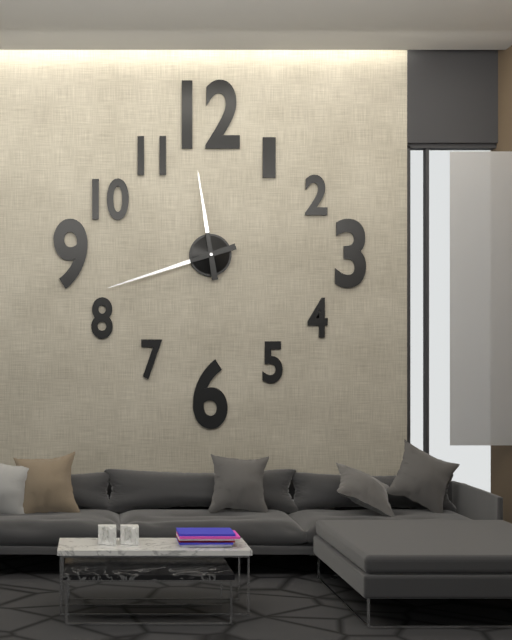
**11:42**
